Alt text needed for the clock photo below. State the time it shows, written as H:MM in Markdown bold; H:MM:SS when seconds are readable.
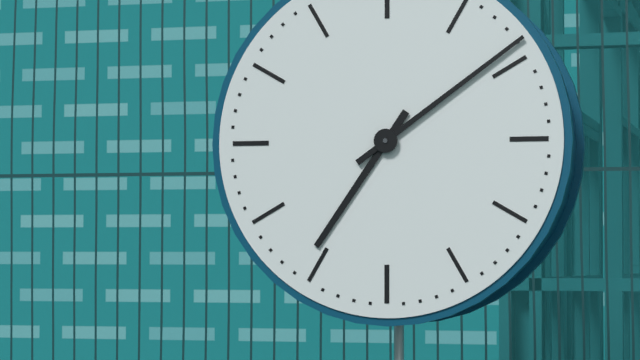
**7:09**
